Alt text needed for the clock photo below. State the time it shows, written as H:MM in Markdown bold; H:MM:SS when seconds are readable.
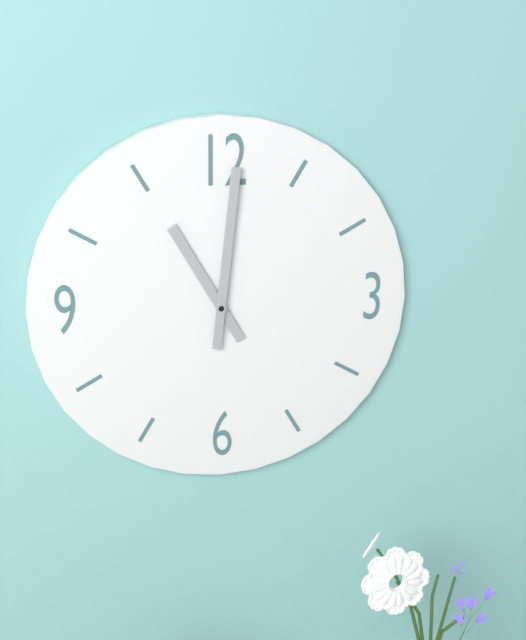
**11:01**
